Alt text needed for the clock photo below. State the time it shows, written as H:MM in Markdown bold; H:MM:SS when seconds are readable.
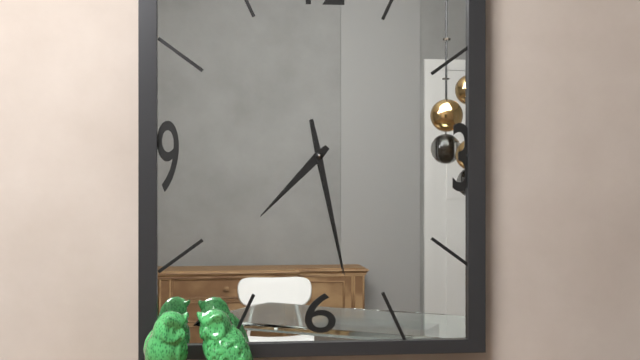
**7:28**
